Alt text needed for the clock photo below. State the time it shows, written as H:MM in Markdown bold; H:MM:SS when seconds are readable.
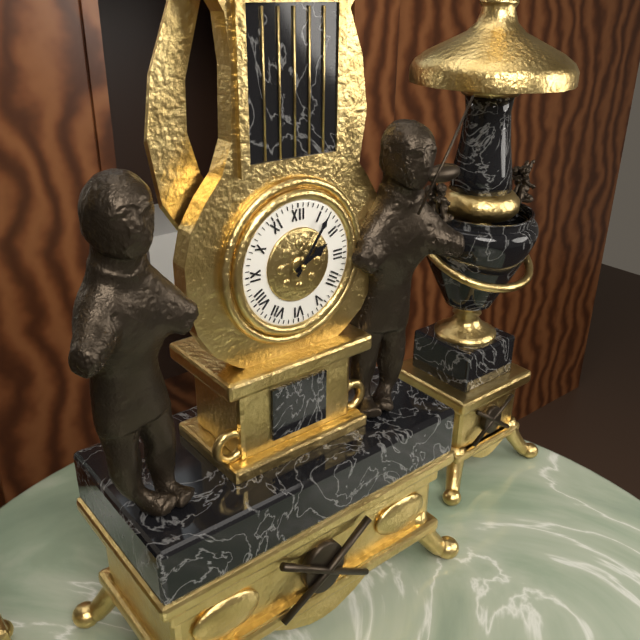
**2:06**
